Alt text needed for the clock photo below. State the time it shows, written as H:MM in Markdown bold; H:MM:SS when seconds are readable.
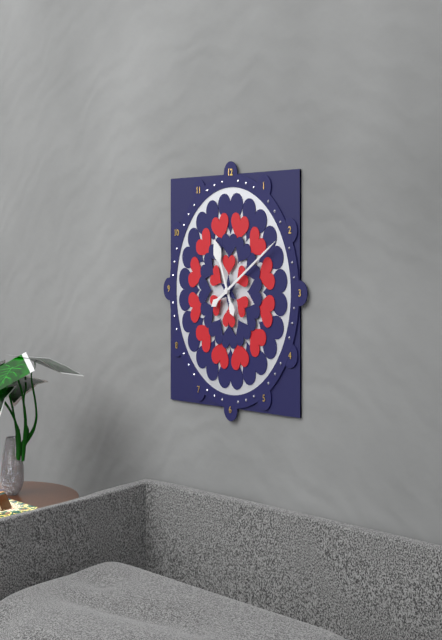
**11:10**
